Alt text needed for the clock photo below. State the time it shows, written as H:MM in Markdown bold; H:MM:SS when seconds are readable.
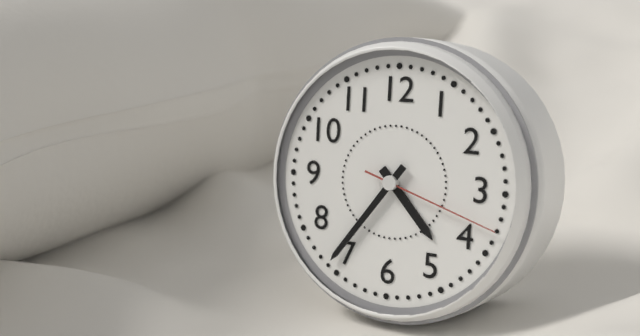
**4:36:18**
